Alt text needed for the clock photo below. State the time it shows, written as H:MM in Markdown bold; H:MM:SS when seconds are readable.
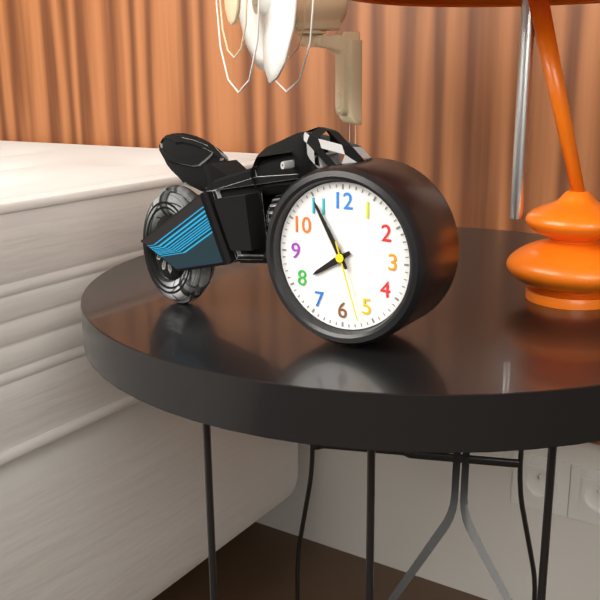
**7:55:27**
